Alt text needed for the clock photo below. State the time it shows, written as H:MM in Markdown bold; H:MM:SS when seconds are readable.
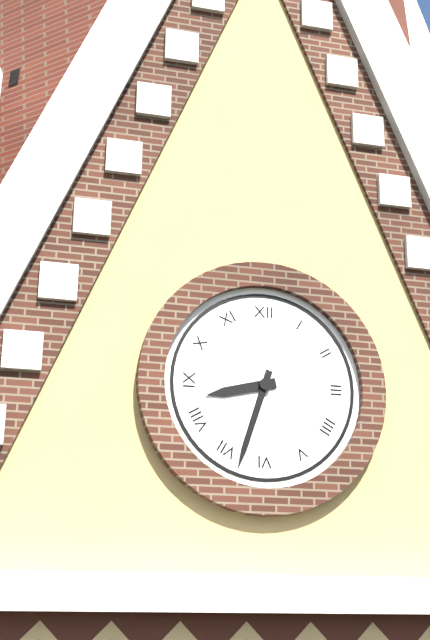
**8:33**
